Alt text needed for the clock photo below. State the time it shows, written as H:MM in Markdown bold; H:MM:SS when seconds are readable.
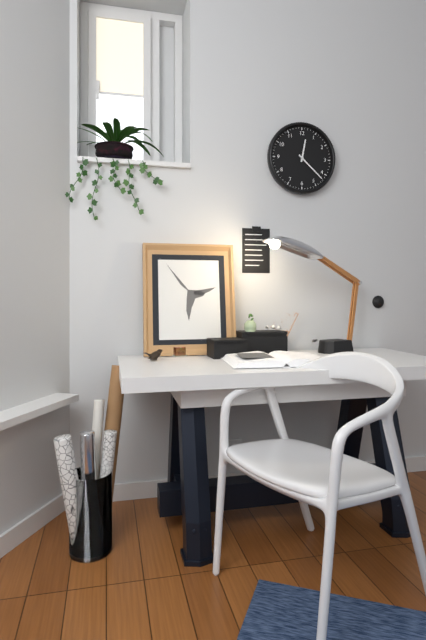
**12:22**
